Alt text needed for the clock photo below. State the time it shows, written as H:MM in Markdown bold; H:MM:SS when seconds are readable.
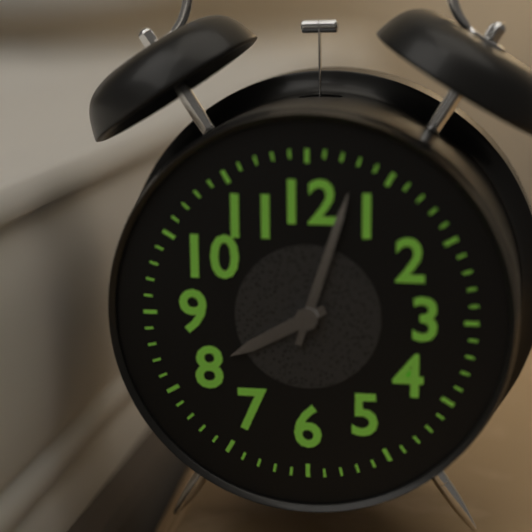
**8:03**
